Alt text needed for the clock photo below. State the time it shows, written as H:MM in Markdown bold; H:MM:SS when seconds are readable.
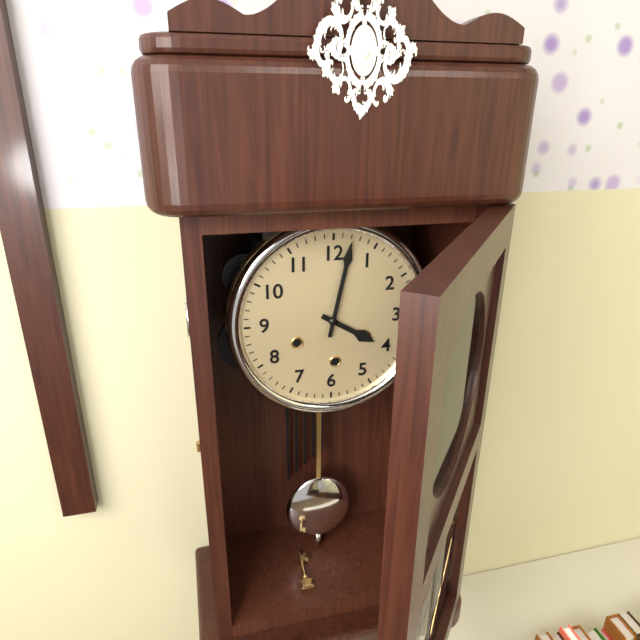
**4:02**
